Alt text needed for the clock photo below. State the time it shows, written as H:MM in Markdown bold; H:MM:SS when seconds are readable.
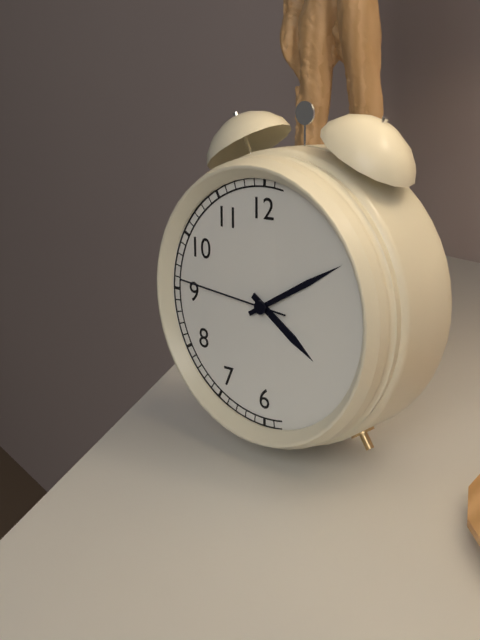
**4:10:46**
